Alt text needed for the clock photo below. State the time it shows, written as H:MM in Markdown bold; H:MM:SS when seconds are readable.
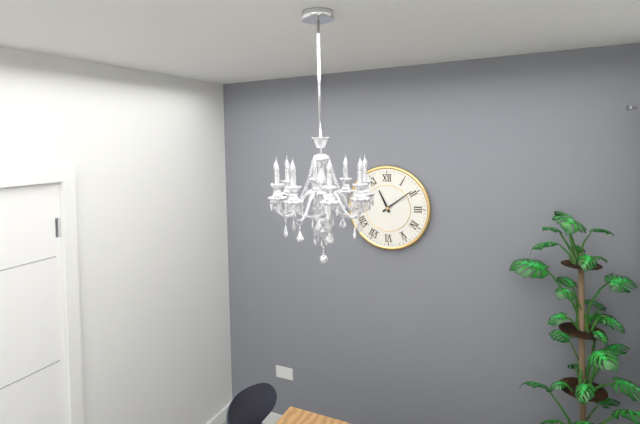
**11:09**
